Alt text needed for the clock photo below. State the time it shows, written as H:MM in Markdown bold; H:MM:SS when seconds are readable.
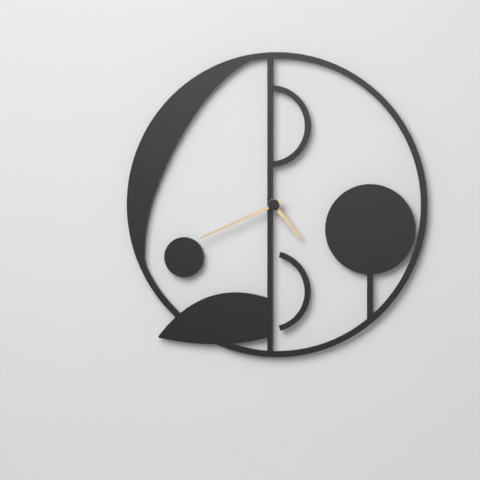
**4:41**
